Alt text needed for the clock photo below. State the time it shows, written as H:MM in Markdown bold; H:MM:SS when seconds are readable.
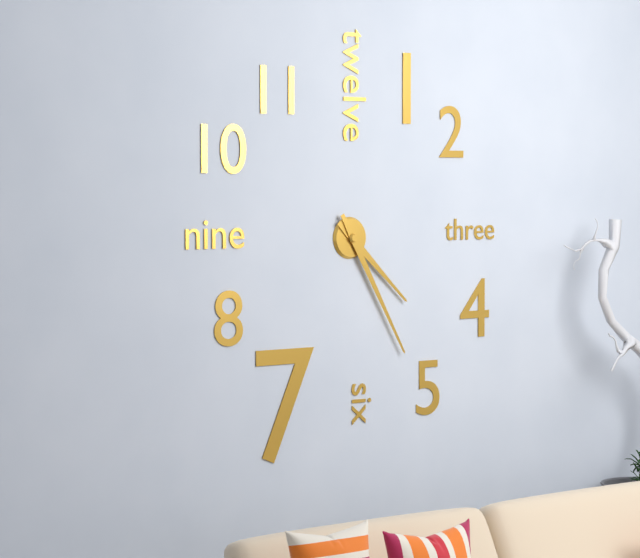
**4:25**
